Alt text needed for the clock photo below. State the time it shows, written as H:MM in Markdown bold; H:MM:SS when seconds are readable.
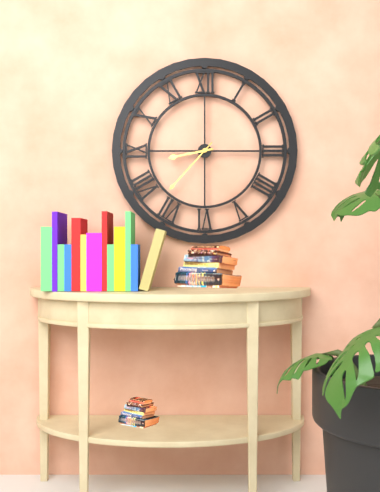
**8:37**
